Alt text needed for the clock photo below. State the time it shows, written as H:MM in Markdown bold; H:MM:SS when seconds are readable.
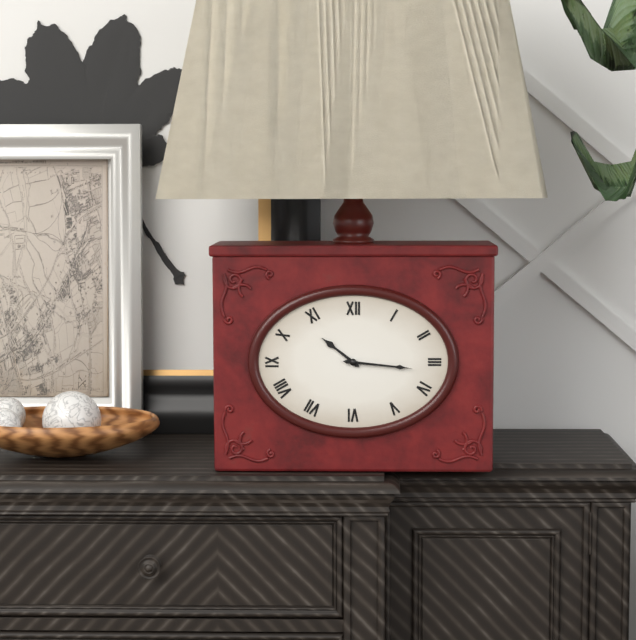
**10:16**
